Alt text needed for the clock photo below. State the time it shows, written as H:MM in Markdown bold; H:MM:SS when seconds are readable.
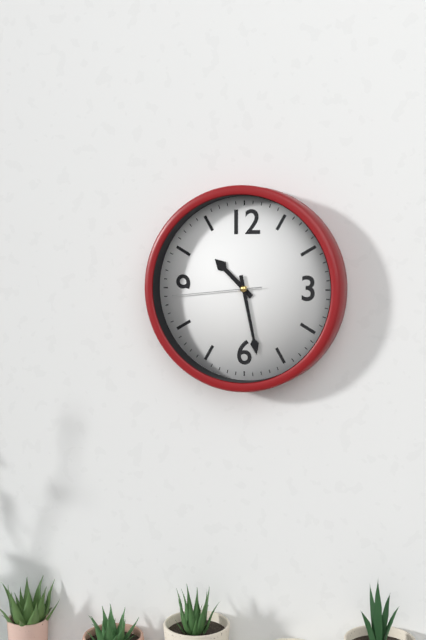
**10:28:44**
